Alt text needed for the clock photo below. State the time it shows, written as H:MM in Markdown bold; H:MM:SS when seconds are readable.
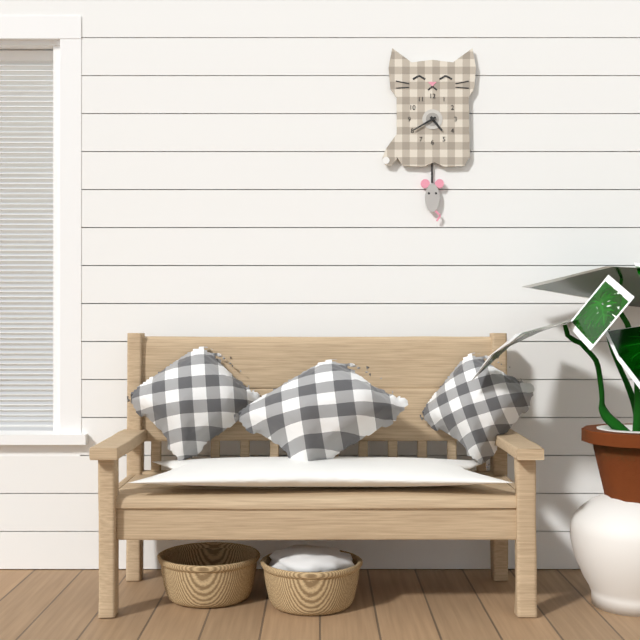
**4:40**
